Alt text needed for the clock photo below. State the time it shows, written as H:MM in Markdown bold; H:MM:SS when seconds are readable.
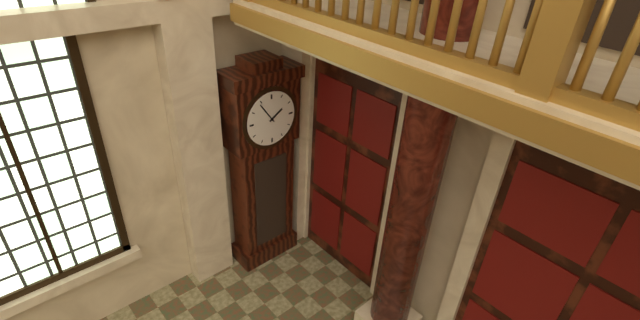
**1:54**
